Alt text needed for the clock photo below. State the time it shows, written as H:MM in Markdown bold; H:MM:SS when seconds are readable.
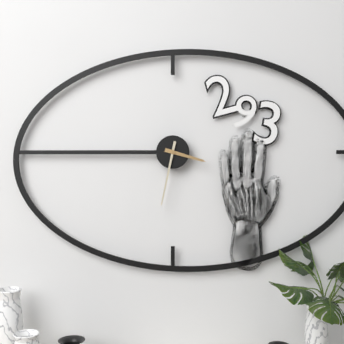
**3:32**
